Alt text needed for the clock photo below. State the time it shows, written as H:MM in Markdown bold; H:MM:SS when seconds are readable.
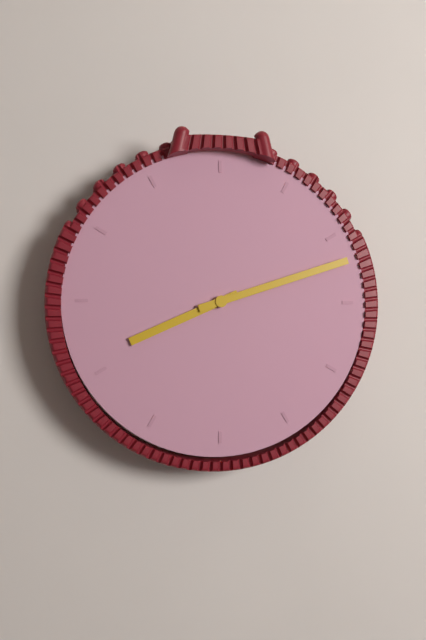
**8:12**
